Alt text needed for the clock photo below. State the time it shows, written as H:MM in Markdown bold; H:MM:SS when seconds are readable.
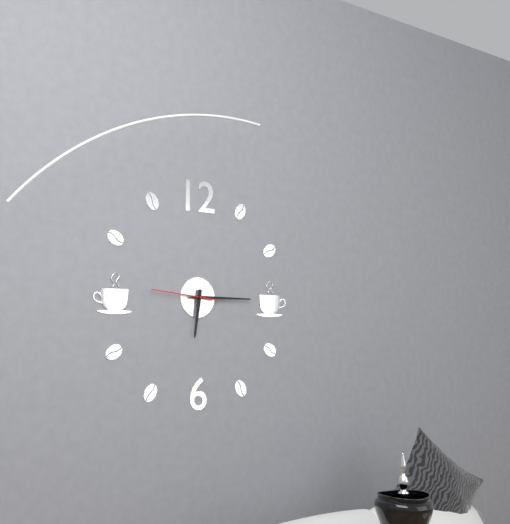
**6:15:46**
